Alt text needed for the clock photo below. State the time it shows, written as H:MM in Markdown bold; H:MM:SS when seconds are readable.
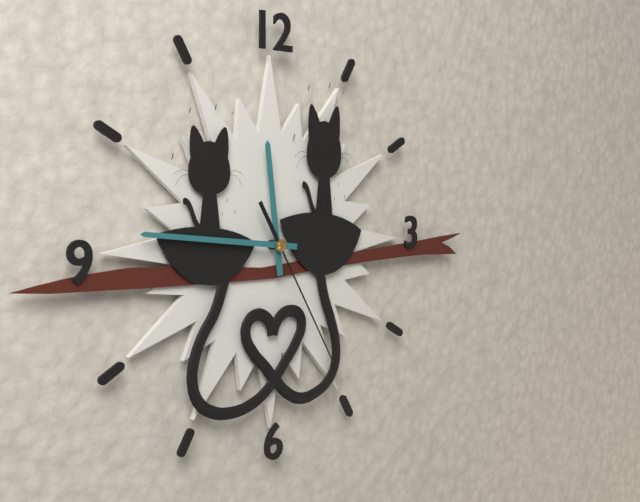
**11:46:25**
